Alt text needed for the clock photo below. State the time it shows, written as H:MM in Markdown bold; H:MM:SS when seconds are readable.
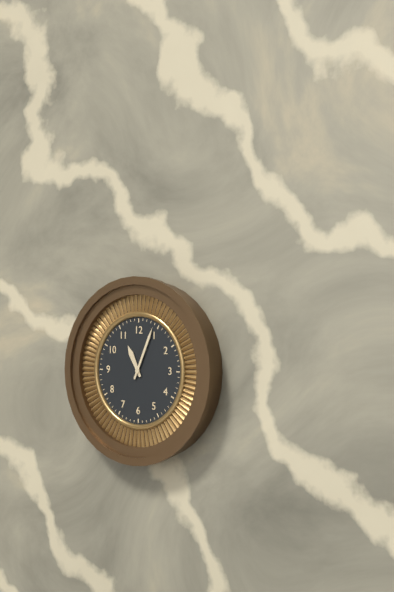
**11:04**
